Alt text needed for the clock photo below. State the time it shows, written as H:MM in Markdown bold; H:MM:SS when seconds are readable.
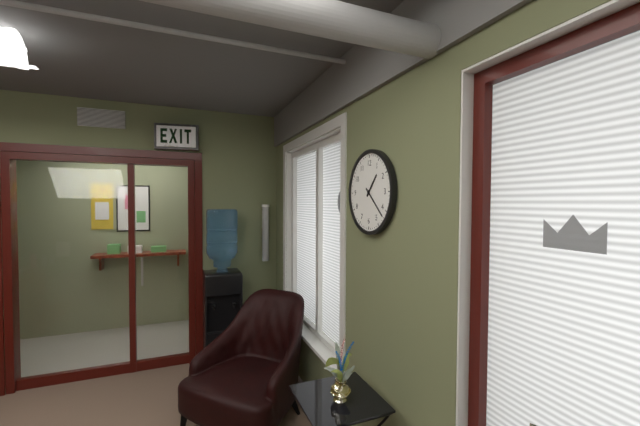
**1:22**
